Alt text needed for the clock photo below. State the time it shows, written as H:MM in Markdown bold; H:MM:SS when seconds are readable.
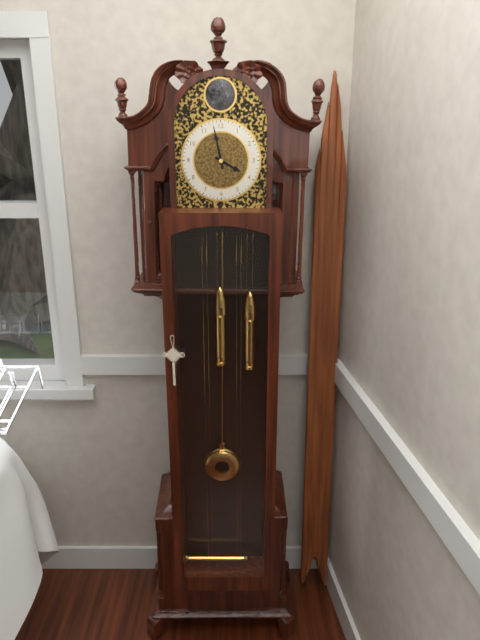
**3:58**
